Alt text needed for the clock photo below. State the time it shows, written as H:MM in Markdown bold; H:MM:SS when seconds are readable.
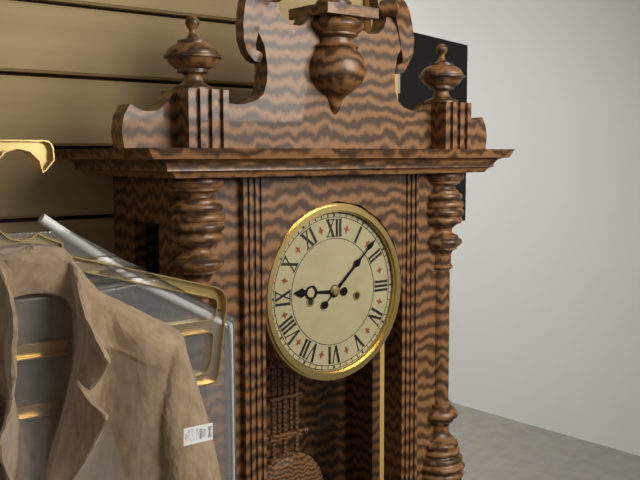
**9:08**
